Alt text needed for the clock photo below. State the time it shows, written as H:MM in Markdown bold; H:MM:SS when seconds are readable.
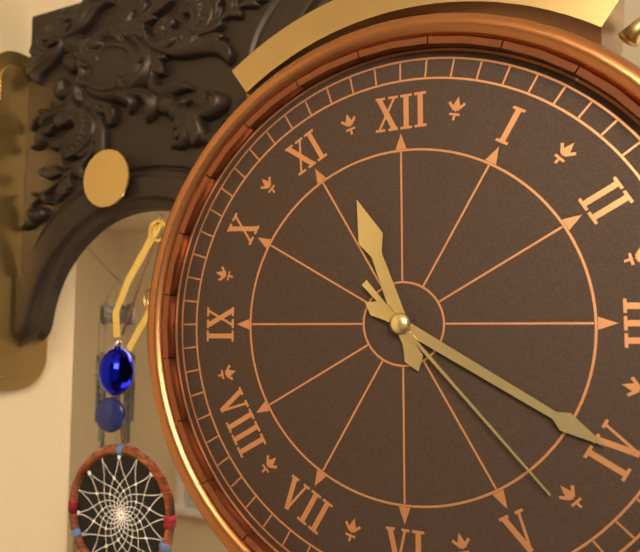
**11:20:23**
